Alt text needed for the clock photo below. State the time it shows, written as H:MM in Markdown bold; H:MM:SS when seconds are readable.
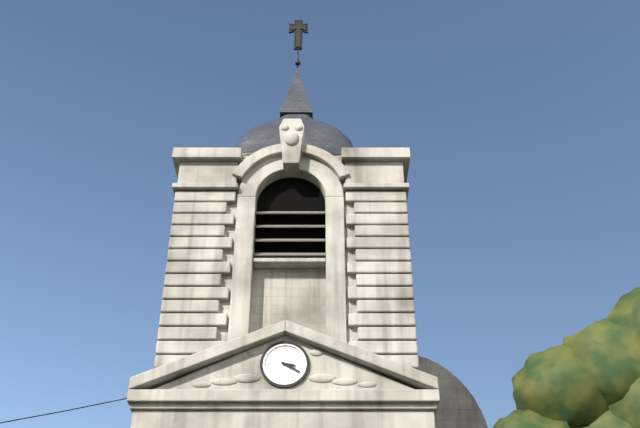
**3:20**
